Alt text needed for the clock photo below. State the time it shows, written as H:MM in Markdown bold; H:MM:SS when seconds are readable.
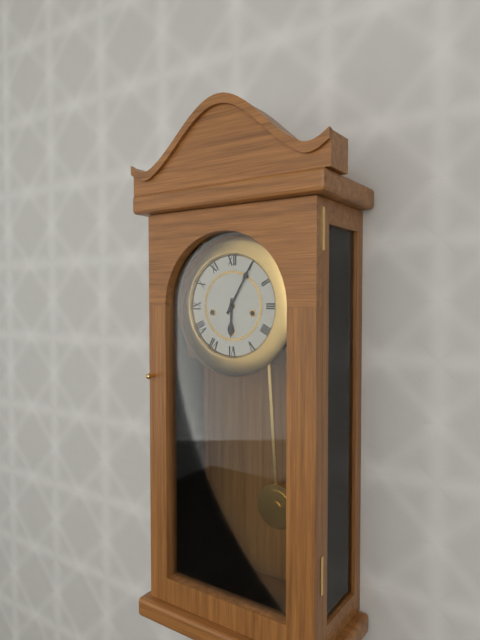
**6:05**
